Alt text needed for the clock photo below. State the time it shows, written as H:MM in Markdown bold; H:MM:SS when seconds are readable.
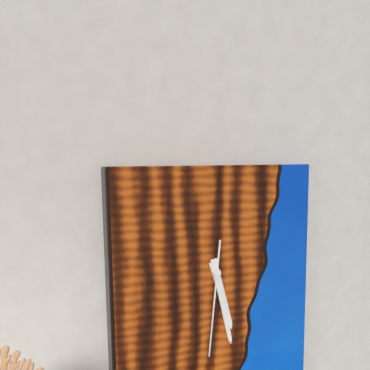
**5:28:31**
